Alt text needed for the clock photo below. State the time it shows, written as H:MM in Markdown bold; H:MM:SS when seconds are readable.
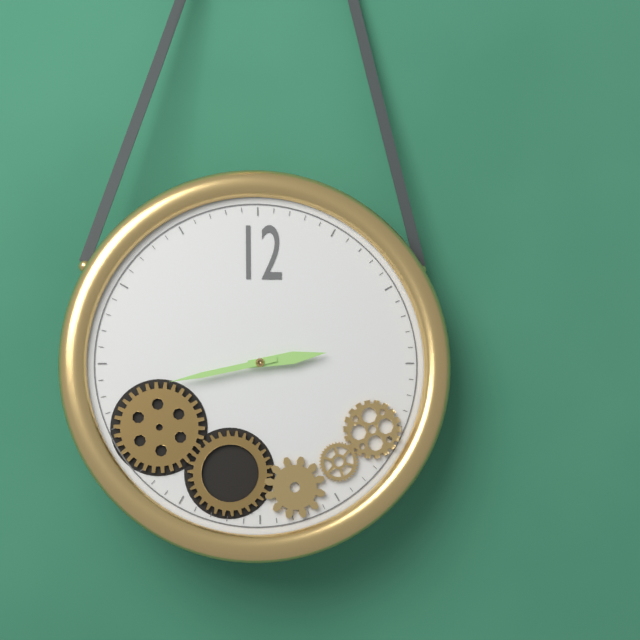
**2:43**
